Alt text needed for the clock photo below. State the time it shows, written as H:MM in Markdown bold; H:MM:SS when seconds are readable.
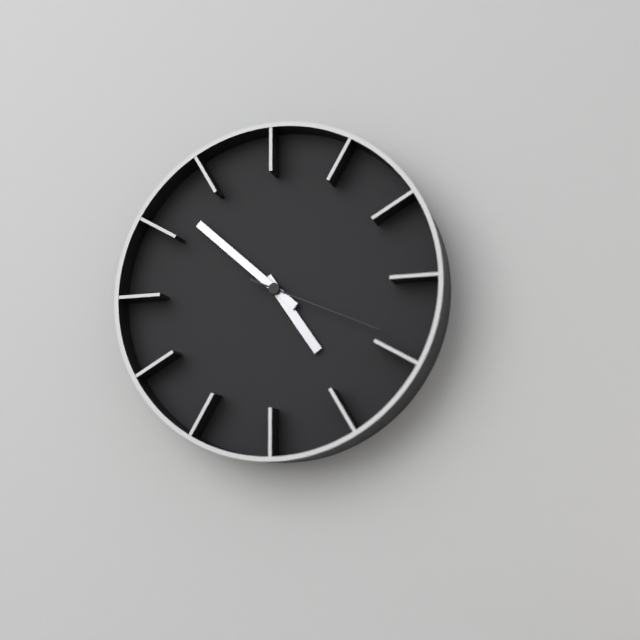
**4:52:19**
